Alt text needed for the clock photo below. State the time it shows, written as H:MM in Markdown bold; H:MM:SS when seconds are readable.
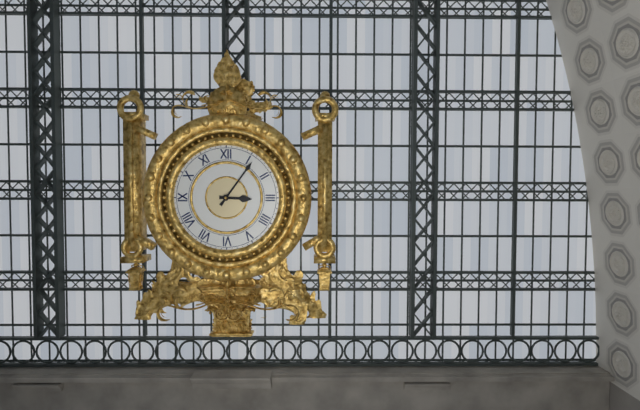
**3:06**
